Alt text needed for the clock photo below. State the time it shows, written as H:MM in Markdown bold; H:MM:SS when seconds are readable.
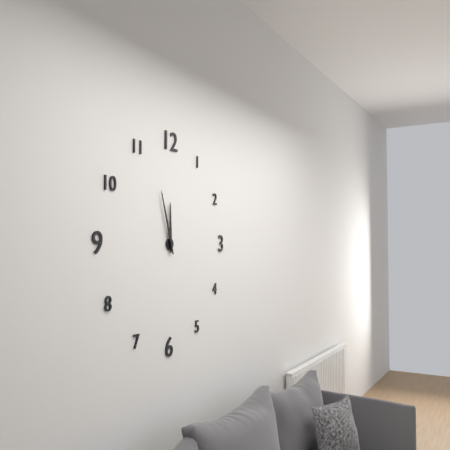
**11:57**
